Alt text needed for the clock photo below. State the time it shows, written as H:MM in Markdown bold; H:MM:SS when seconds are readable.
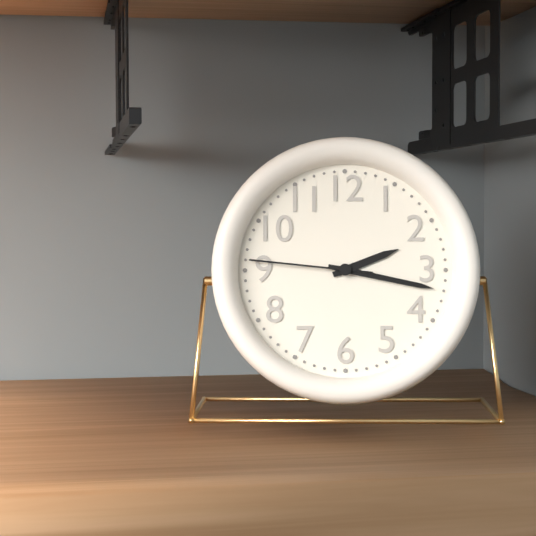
**2:17:46**
